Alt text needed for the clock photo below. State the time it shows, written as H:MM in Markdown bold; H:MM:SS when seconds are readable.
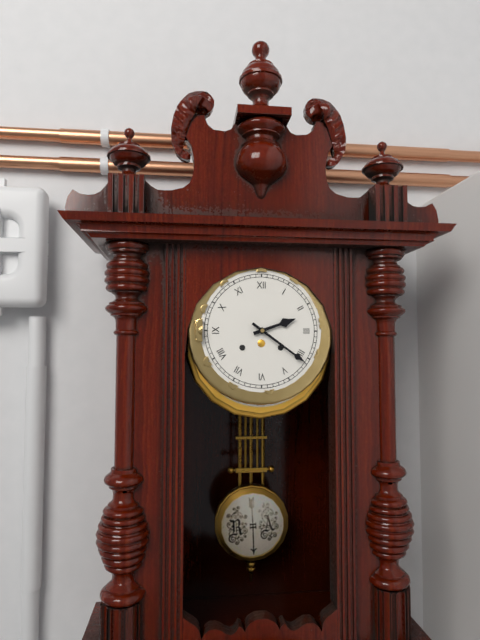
**2:21**
